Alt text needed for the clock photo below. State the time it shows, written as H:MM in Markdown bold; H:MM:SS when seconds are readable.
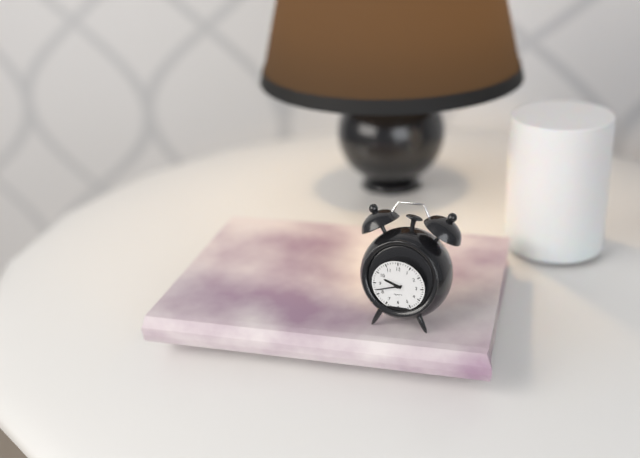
**9:42**
